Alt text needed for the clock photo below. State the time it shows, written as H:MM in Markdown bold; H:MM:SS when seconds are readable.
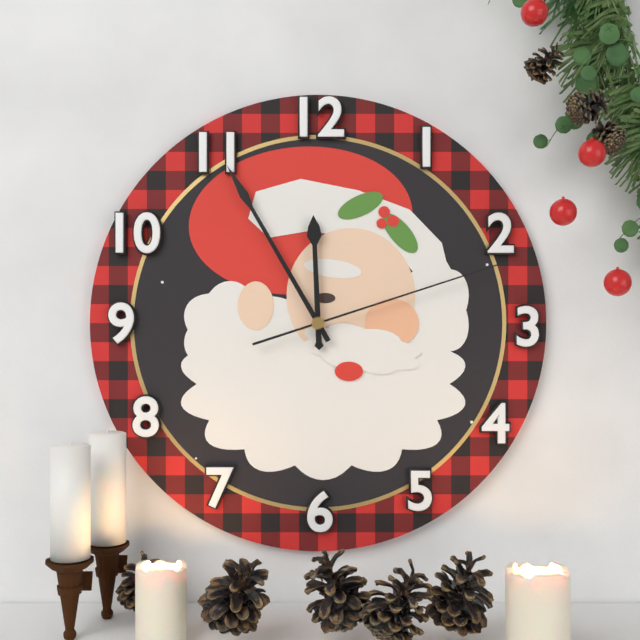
**11:55:12**
